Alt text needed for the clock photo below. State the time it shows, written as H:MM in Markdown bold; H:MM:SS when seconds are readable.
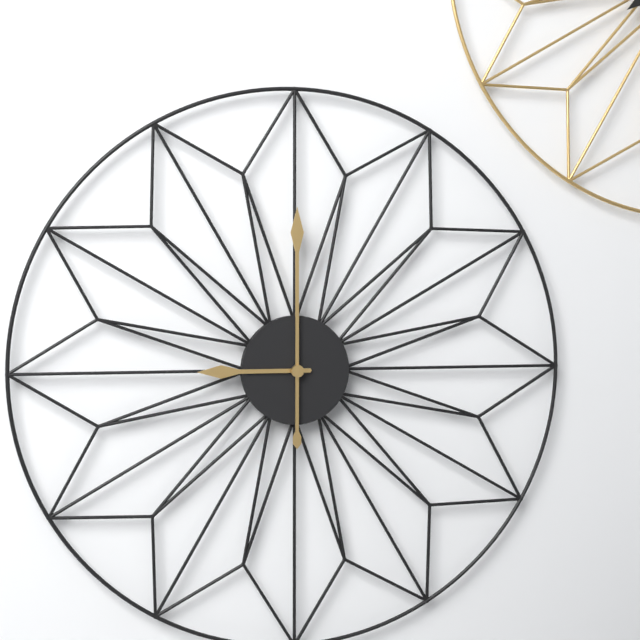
**9:00**
